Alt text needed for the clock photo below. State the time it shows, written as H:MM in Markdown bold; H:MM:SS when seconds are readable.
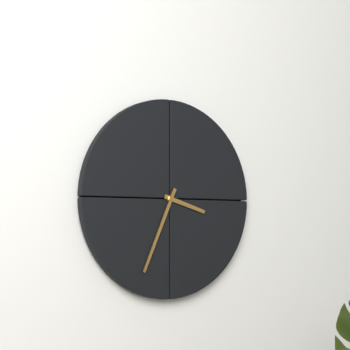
**3:34**
